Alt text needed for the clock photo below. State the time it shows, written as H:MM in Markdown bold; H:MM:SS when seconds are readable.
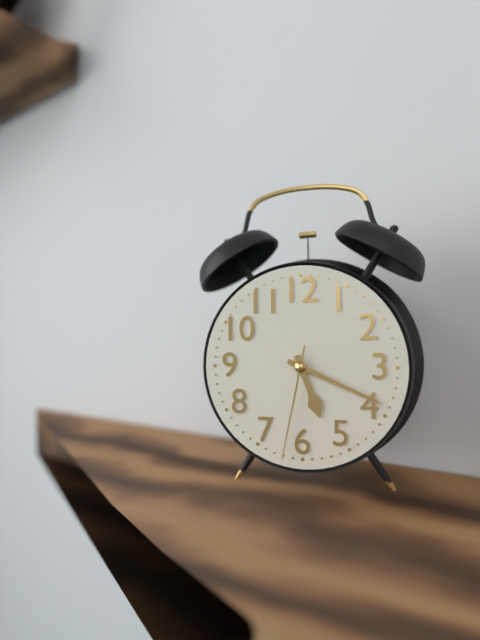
**5:19:32**
